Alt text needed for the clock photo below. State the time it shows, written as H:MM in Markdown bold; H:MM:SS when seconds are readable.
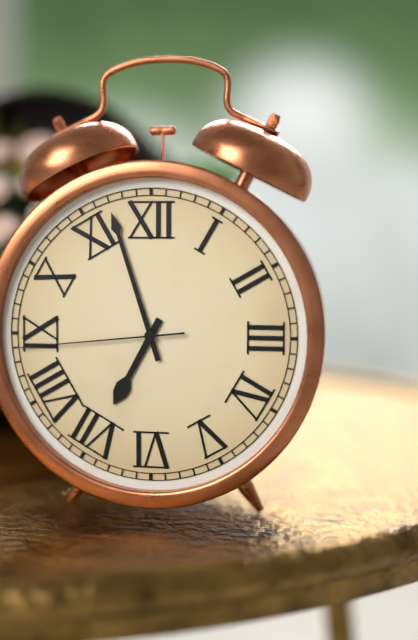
**6:57:44**
